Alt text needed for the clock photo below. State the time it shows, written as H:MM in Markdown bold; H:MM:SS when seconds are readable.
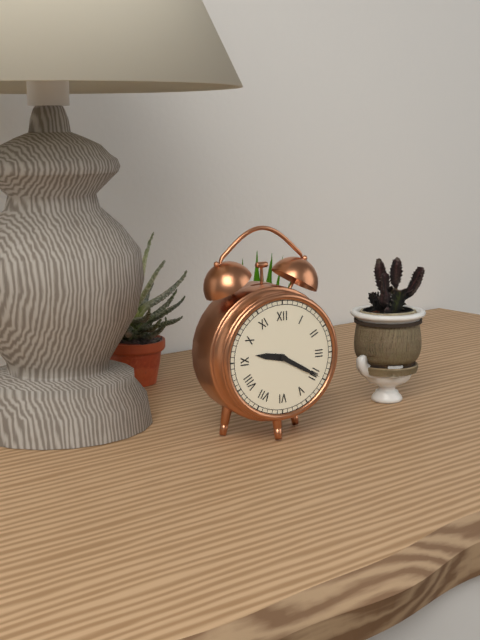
**9:20**
